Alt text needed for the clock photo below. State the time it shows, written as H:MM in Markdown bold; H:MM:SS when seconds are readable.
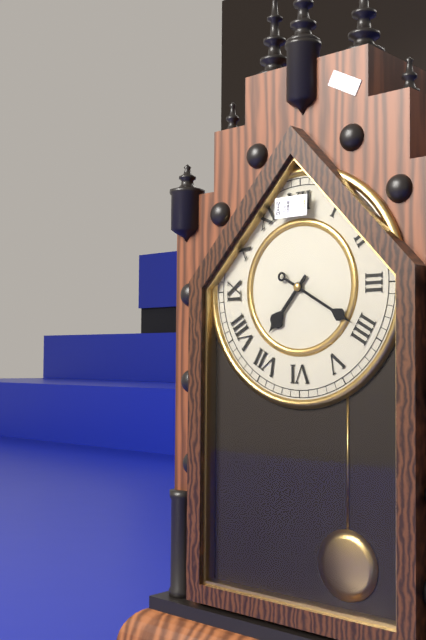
**7:20**
